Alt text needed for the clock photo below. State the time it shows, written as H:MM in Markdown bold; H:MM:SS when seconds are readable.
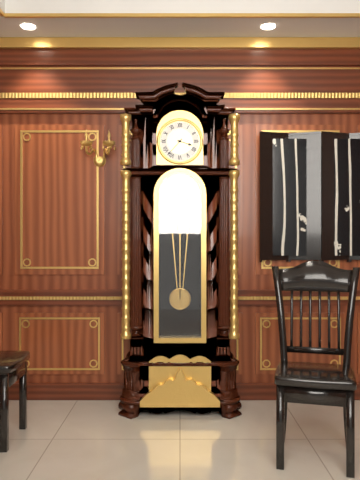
**3:37**
